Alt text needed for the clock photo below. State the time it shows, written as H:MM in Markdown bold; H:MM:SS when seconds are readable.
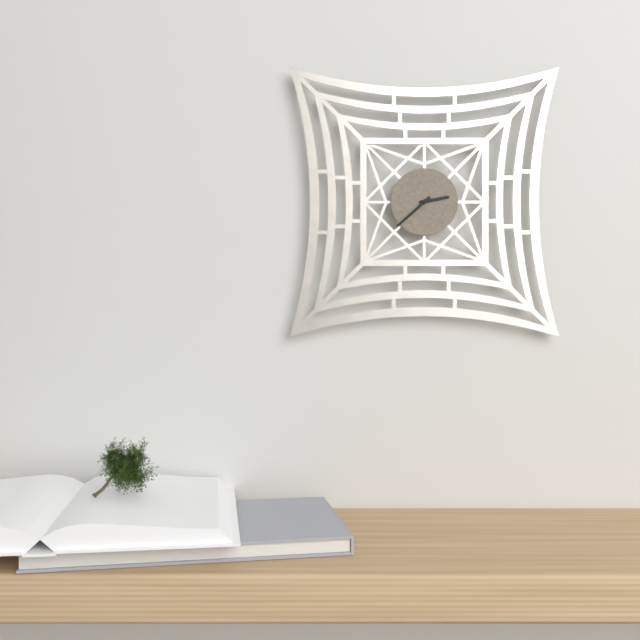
**2:38**
